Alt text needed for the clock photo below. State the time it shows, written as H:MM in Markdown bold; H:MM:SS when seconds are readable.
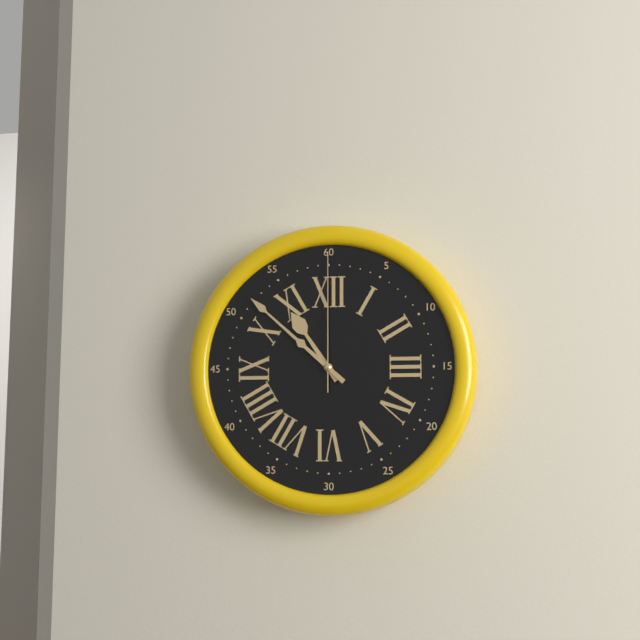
**10:52:00**
